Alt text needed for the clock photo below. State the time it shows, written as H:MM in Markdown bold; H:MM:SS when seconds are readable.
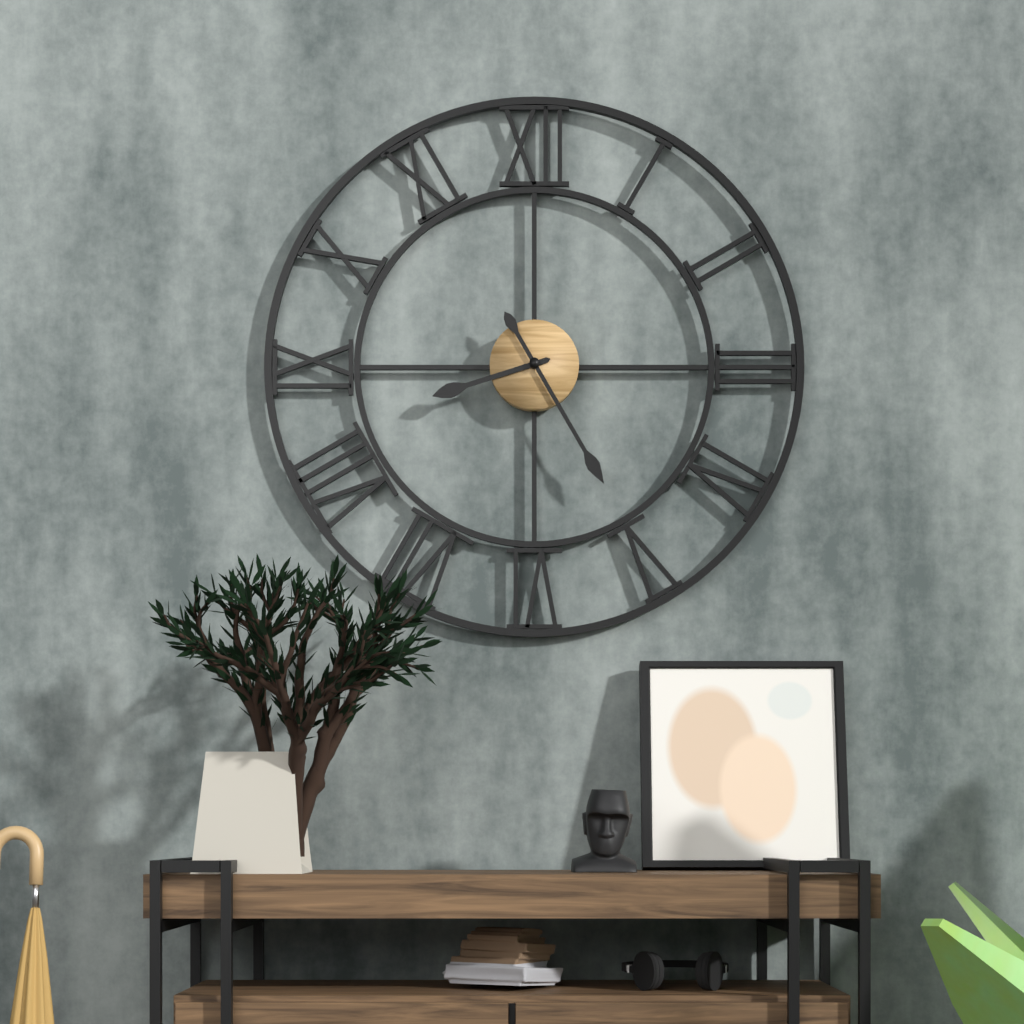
**8:25**
